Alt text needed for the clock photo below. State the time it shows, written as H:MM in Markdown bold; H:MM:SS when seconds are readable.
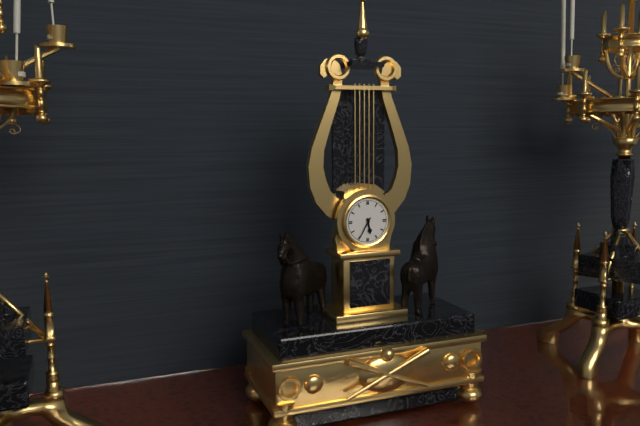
**5:35**
